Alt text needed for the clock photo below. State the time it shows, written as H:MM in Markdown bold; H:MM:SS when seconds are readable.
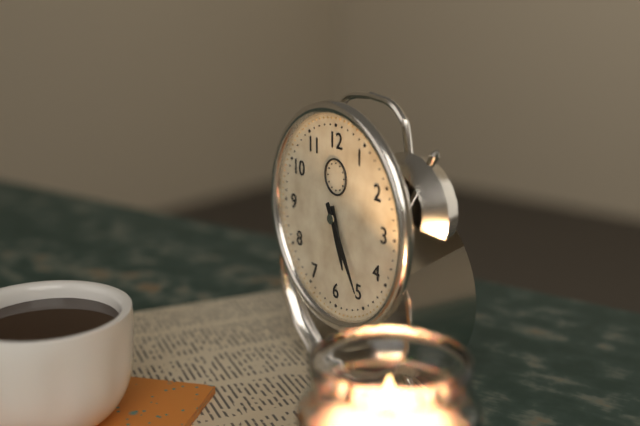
**5:25**
